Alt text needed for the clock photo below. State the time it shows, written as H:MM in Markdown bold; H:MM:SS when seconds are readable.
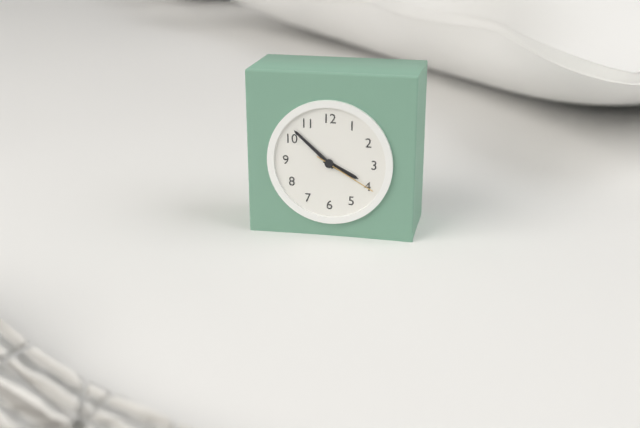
**3:52:20**
